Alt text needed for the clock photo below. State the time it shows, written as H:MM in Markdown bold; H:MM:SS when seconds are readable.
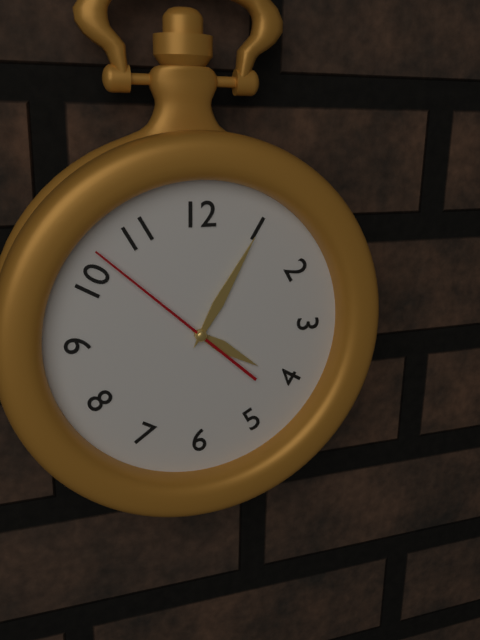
**4:05:52**
